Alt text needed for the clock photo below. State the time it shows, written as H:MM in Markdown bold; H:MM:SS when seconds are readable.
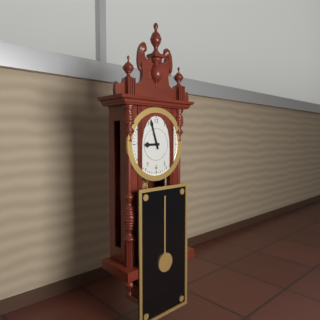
**8:57**
